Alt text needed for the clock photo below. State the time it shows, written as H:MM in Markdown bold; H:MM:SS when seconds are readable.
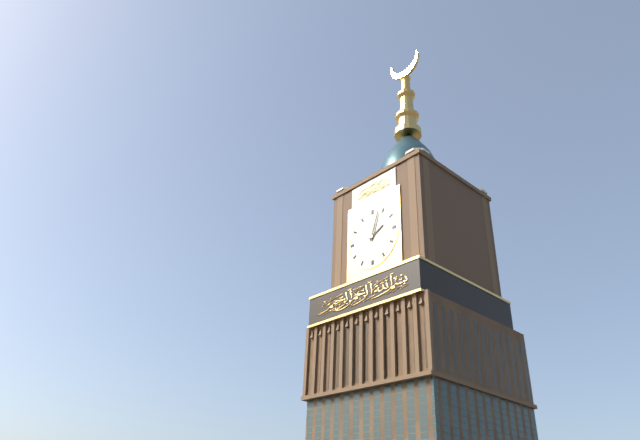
**2:03**
